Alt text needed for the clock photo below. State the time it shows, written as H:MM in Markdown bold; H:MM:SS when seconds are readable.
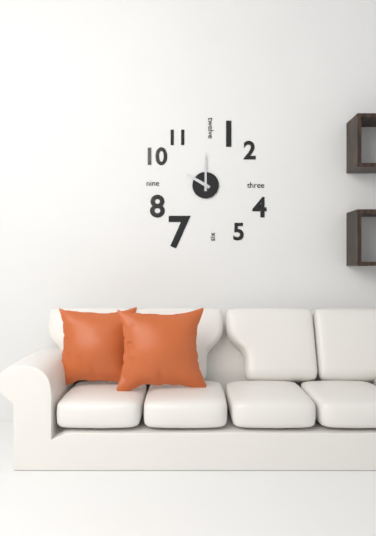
**10:00**
